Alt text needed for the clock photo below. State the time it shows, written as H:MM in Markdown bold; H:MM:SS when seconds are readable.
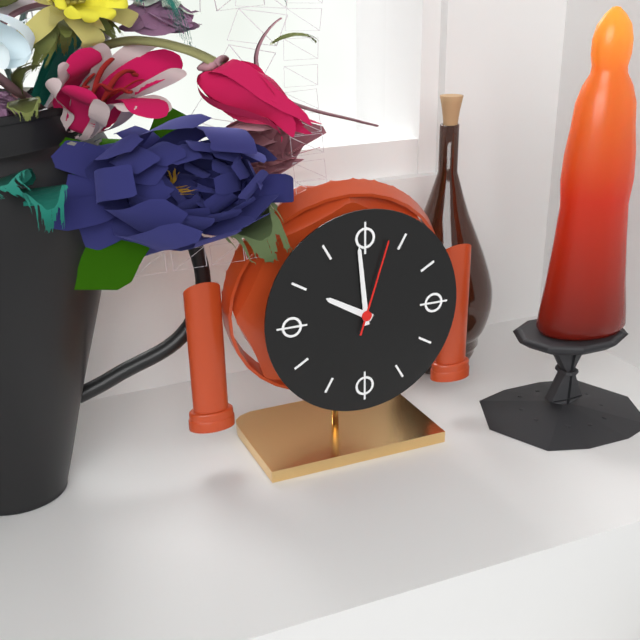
**9:59:03**
